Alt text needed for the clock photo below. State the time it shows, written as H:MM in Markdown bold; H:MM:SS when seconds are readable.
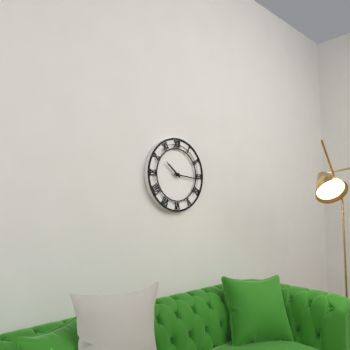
**10:16**
